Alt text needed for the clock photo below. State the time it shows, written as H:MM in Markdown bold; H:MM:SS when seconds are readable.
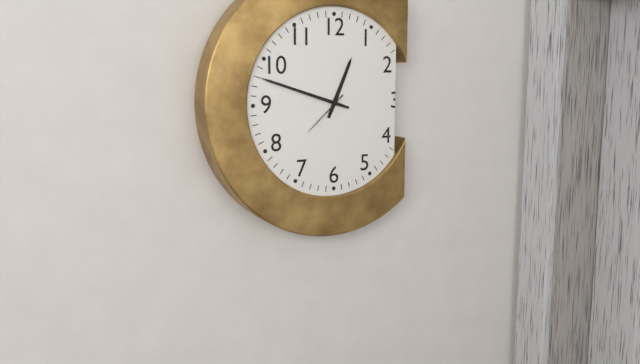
**12:48:38**
